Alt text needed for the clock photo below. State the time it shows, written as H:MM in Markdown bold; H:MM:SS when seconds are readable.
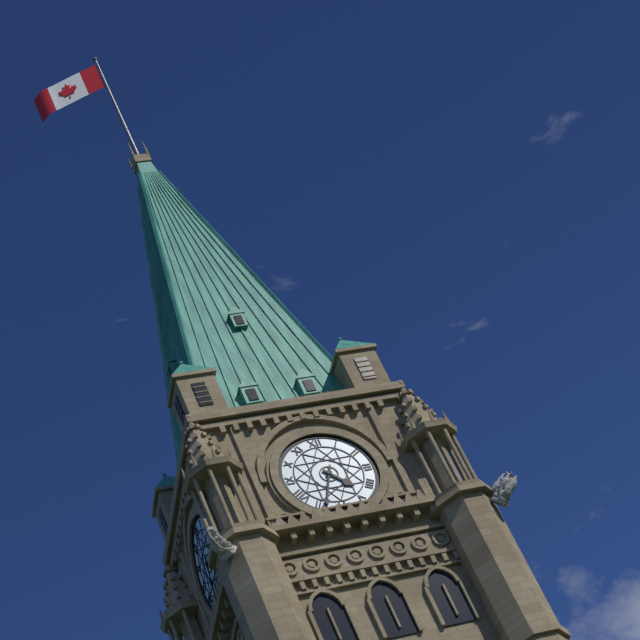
**4:34**
